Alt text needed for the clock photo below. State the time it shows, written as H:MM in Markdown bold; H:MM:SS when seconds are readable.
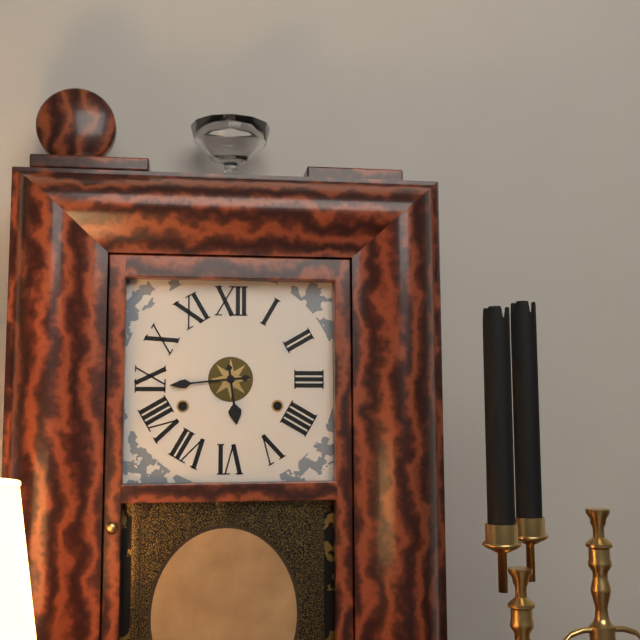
**5:44**
